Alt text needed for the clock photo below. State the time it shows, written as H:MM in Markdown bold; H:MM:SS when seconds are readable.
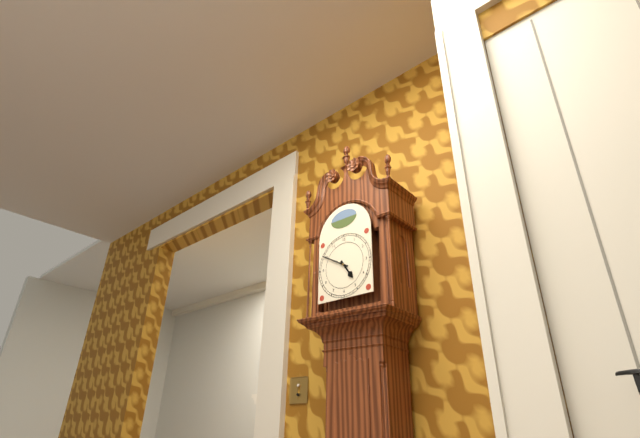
**4:50**
